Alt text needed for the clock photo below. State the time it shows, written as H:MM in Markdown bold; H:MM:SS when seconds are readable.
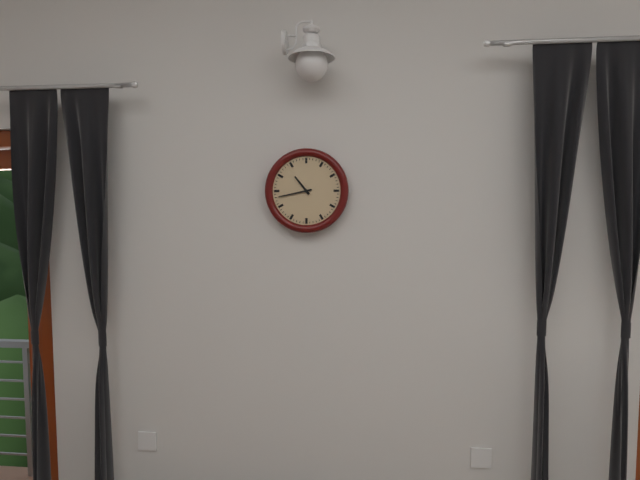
**10:43**
